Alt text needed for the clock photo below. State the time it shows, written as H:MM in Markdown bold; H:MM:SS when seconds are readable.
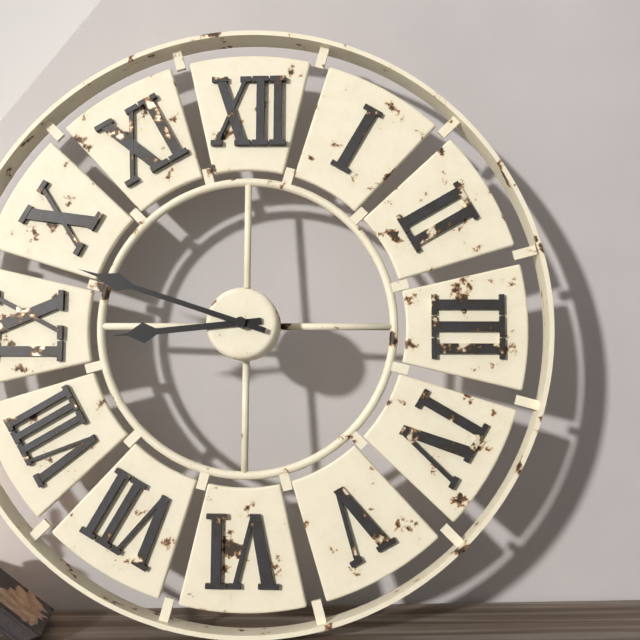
**8:48**
